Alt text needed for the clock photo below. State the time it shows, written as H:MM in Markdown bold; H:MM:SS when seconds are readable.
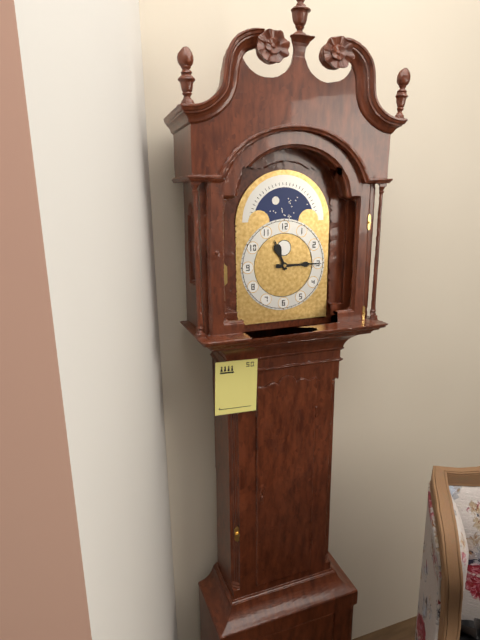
**11:15**
